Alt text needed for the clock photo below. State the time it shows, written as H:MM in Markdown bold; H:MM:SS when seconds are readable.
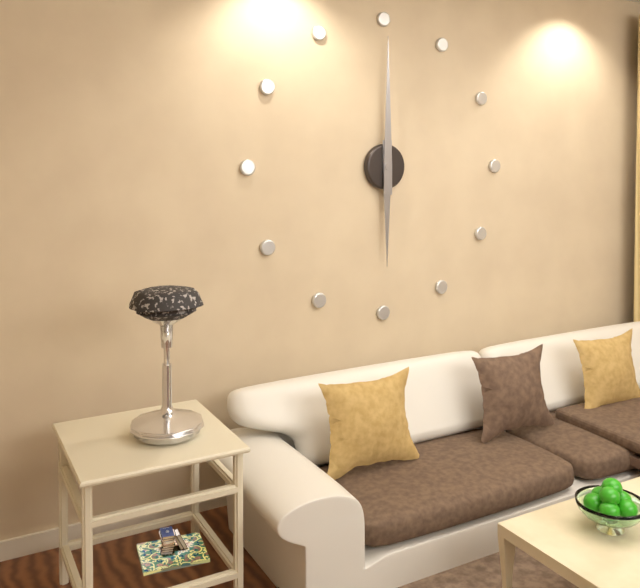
**6:00**
